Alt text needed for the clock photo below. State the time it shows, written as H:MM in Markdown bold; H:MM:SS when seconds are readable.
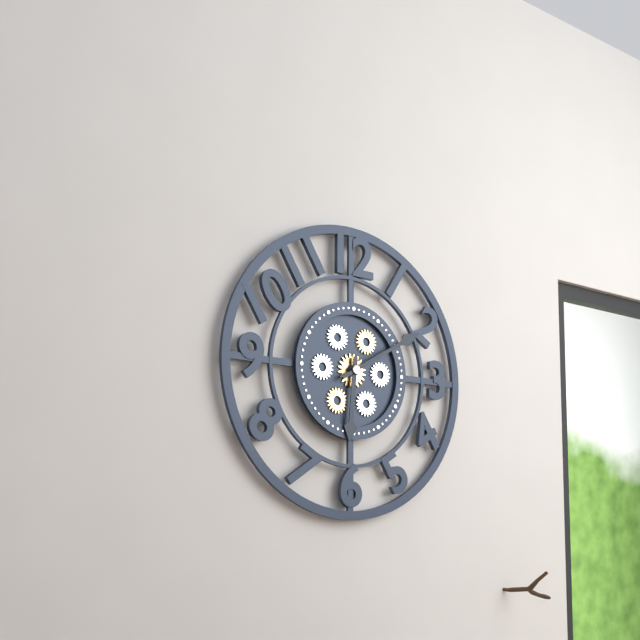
**6:10**
